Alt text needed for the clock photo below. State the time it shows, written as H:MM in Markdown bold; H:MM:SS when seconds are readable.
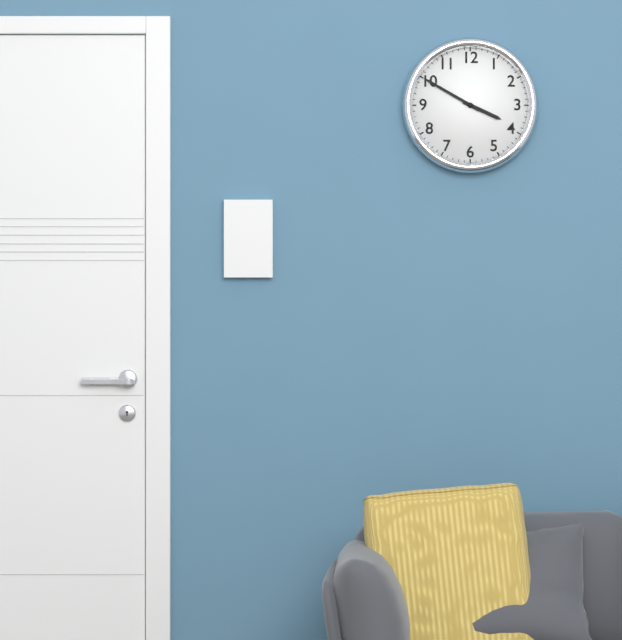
**3:50**
